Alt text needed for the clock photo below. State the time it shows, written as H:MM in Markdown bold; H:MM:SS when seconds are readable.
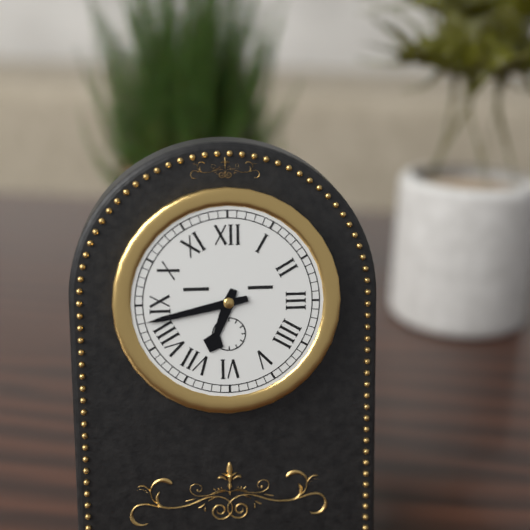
**6:43**
